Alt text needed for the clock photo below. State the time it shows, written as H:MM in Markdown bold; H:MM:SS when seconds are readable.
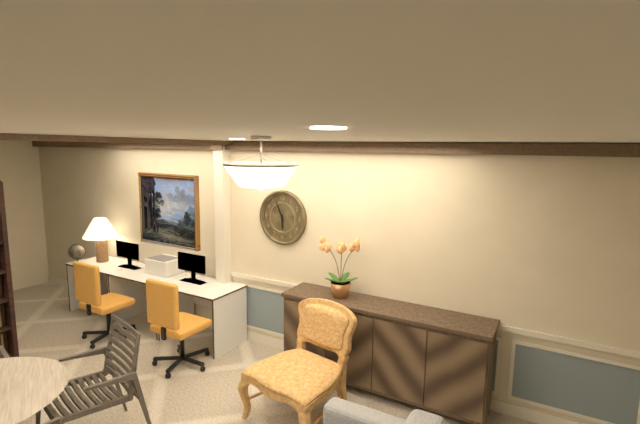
**5:56**
